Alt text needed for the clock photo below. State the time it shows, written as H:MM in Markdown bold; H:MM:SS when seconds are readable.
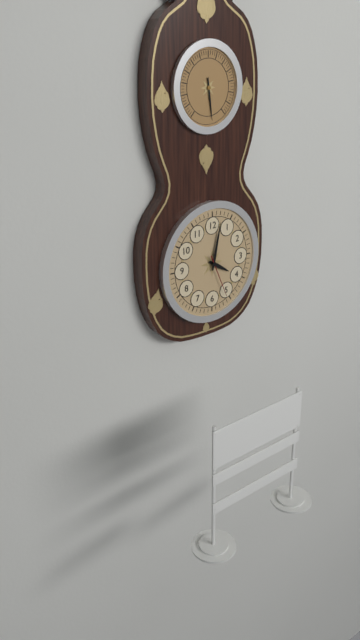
**4:02**
